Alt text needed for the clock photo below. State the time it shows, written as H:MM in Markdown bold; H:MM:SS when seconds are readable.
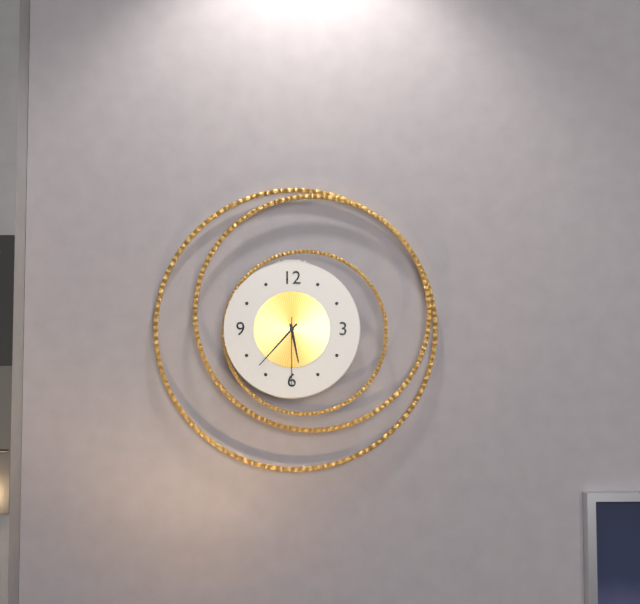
**5:37:30**
